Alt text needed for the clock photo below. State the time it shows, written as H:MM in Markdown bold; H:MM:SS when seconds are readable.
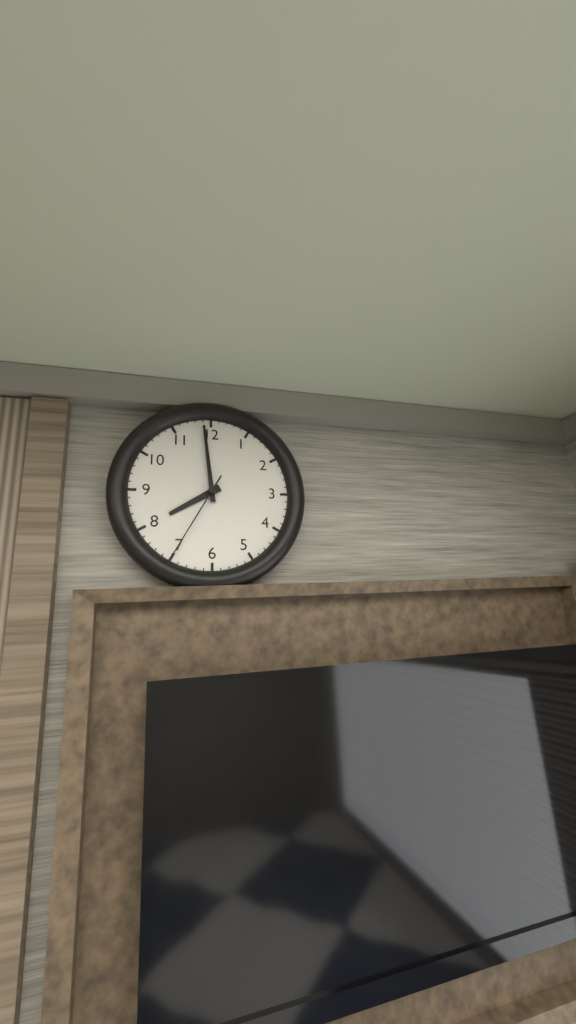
**7:59:35**
